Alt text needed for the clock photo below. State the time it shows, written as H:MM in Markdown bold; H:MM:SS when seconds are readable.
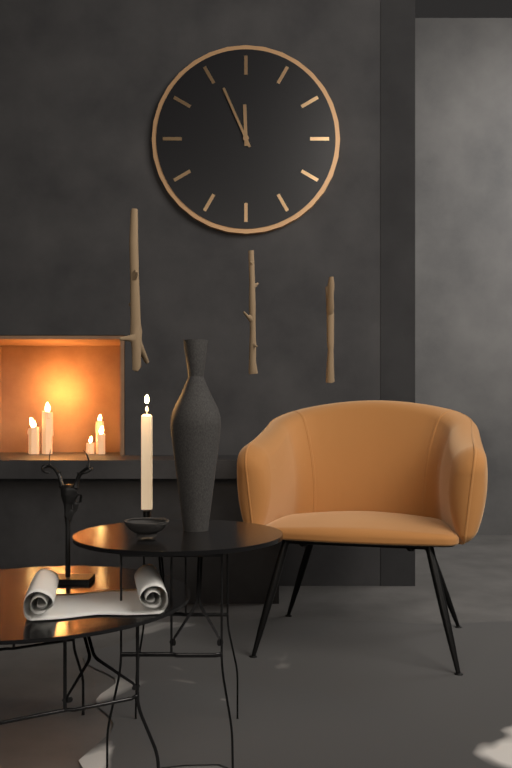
**11:56**
